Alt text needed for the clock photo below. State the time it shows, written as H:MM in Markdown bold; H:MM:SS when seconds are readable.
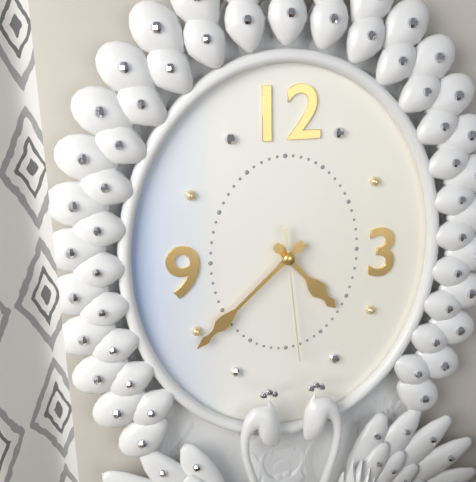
**4:38:29**
